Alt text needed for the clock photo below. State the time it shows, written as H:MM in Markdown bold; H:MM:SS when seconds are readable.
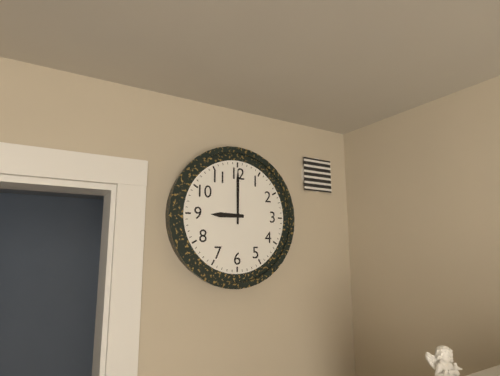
**9:00**
